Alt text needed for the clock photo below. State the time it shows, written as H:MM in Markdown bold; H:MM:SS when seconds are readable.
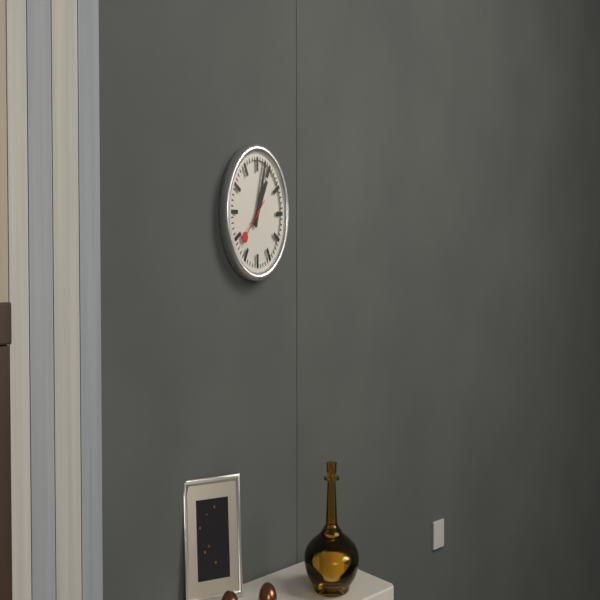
**1:03**
